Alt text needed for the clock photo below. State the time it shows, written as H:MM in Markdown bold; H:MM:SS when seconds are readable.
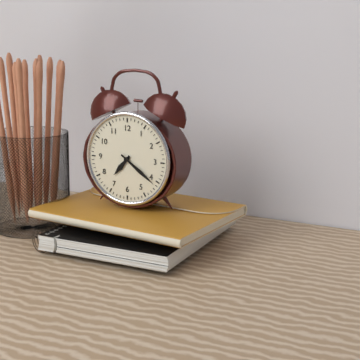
**7:21**
